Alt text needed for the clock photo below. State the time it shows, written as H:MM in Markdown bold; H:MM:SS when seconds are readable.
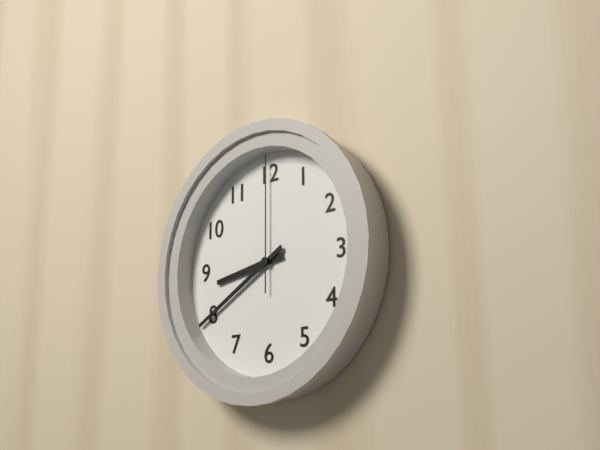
**8:40:00**
